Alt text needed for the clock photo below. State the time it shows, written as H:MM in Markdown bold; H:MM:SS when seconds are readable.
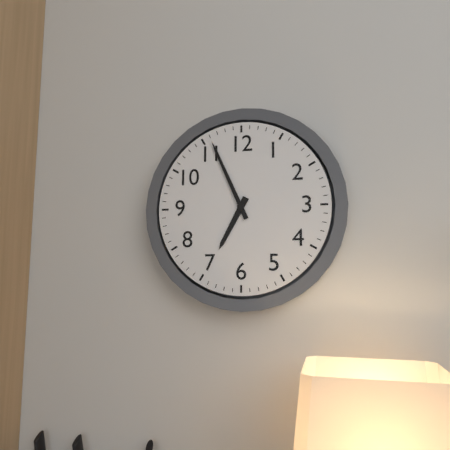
**6:56**
